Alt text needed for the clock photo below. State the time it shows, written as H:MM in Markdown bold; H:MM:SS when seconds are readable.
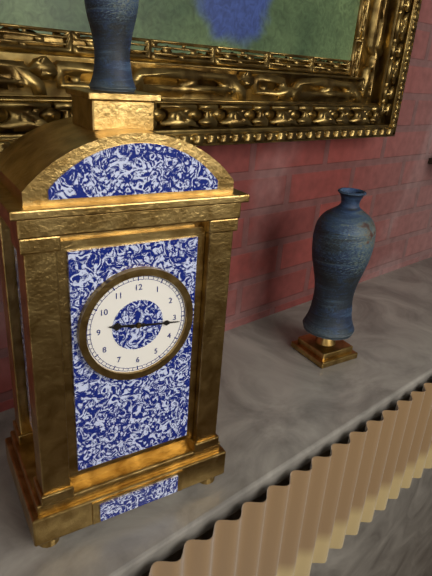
**9:16**
